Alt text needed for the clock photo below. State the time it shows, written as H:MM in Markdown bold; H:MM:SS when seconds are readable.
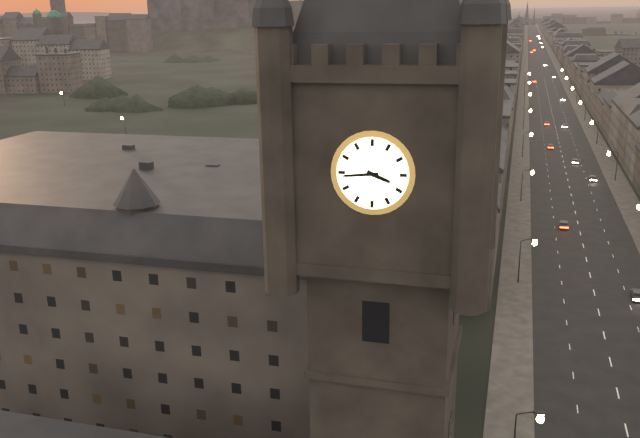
**3:44**
